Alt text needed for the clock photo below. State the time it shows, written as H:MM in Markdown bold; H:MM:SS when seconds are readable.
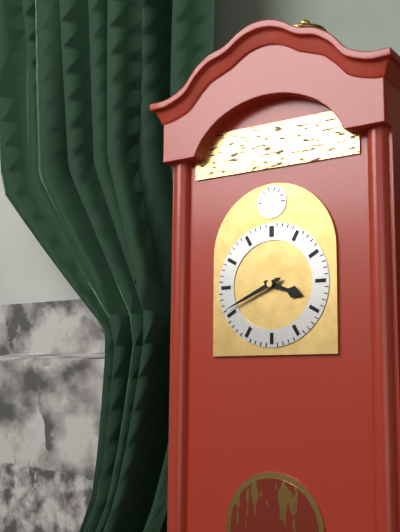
**3:41**
